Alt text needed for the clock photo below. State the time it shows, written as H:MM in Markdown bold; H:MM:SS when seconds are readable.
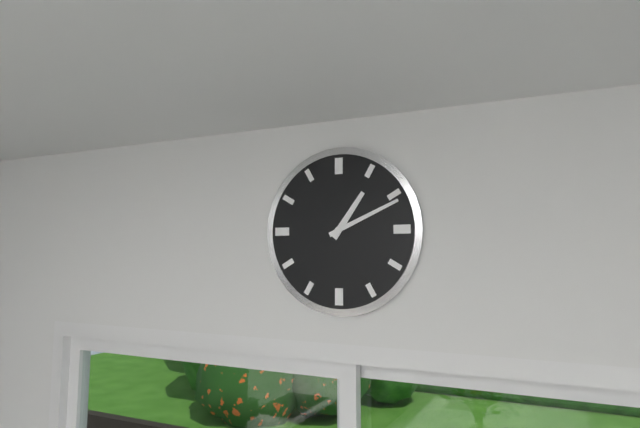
**1:11**
